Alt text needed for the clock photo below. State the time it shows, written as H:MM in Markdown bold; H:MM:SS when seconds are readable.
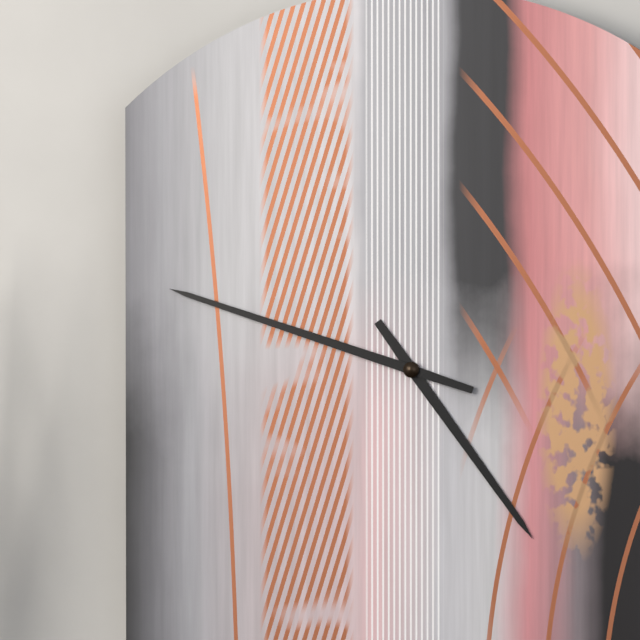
**4:48**
